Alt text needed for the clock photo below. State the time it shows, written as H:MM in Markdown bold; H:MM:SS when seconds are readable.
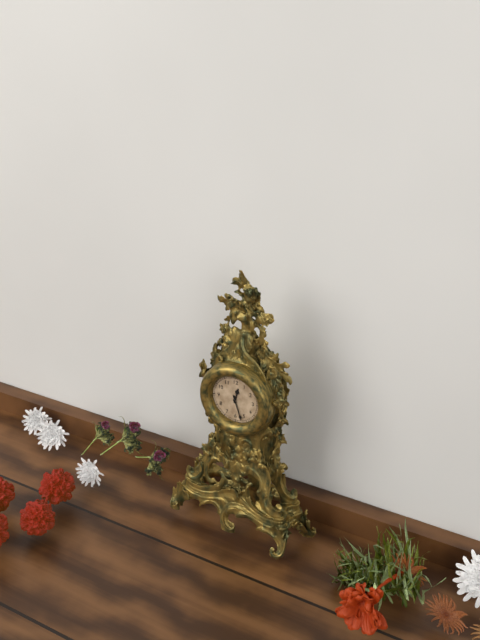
**12:27**
